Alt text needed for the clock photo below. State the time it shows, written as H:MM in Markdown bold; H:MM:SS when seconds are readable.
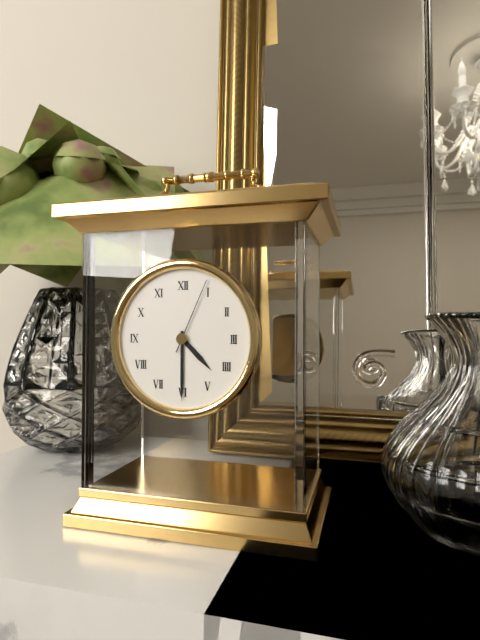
**4:30:04**
